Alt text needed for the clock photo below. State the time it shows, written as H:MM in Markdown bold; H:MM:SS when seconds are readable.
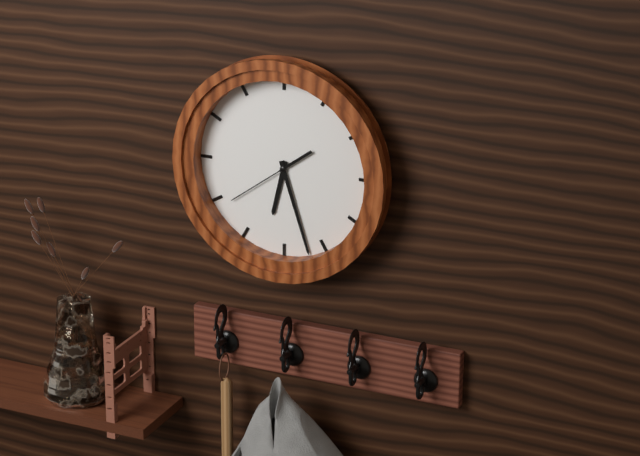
**6:27:39**
